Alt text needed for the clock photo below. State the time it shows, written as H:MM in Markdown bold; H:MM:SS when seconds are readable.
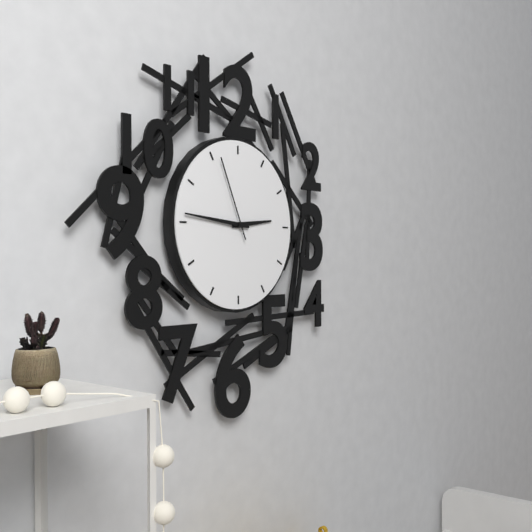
**2:46:56**
